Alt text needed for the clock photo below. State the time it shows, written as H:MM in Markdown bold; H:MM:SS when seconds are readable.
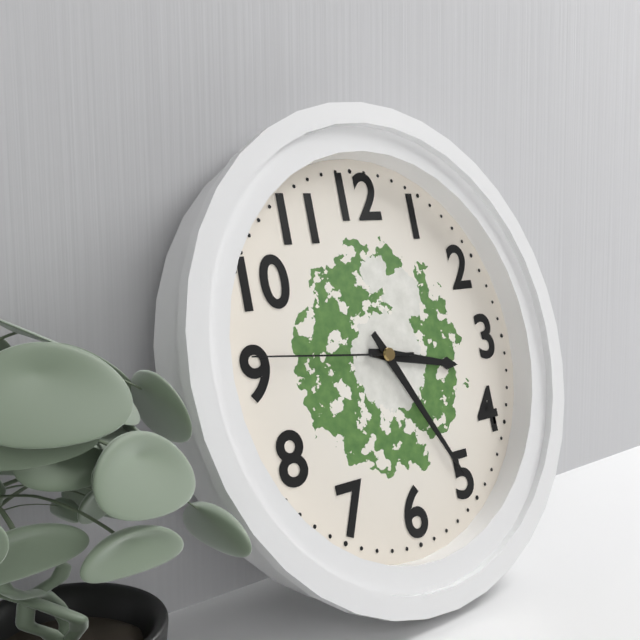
**3:25:46**
